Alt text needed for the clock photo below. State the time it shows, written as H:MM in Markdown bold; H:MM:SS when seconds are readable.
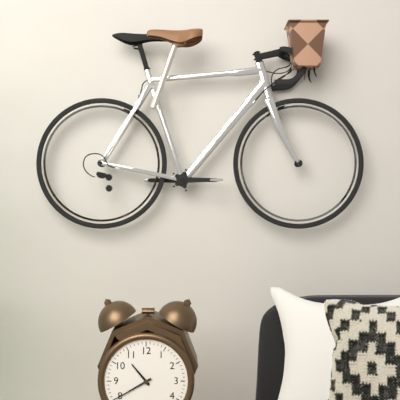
**10:40**
